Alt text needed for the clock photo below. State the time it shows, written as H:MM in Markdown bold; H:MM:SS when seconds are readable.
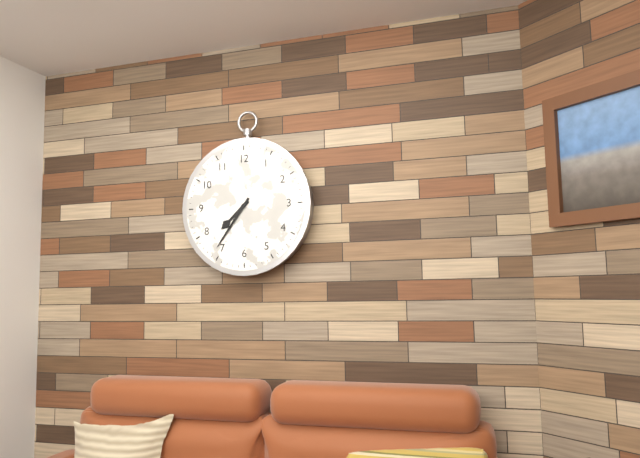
**7:36**
